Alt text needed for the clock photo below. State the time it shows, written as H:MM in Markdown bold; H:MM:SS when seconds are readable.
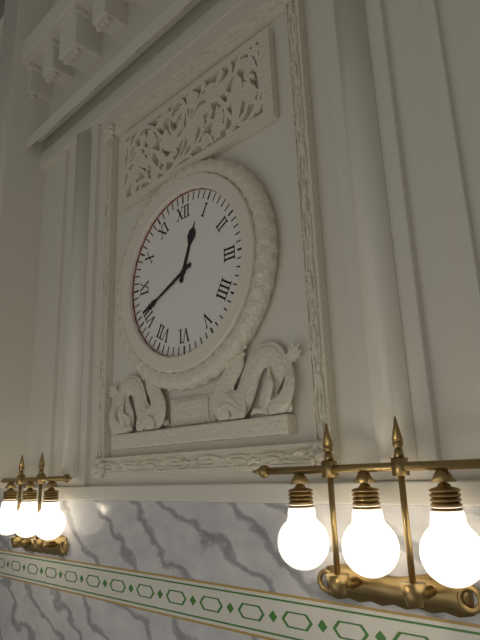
**12:41**
